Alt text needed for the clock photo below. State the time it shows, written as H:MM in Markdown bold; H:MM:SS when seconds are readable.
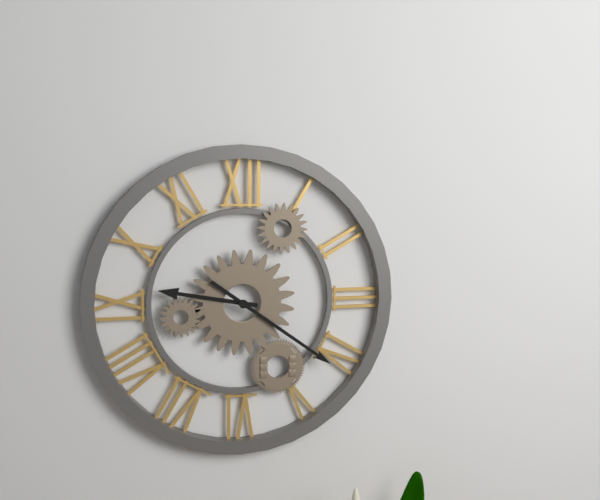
**9:21**
